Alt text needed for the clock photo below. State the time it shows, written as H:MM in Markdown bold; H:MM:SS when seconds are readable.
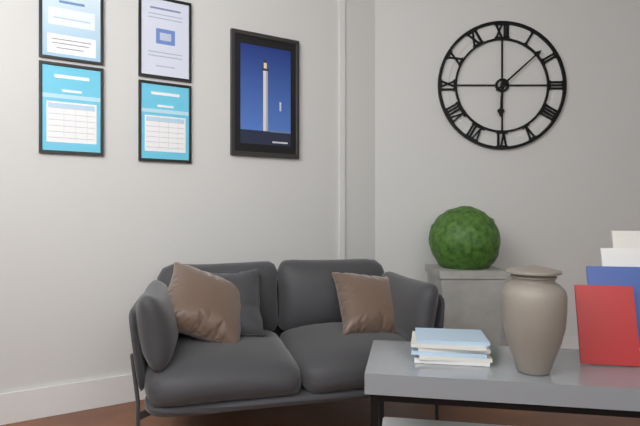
**6:08**
